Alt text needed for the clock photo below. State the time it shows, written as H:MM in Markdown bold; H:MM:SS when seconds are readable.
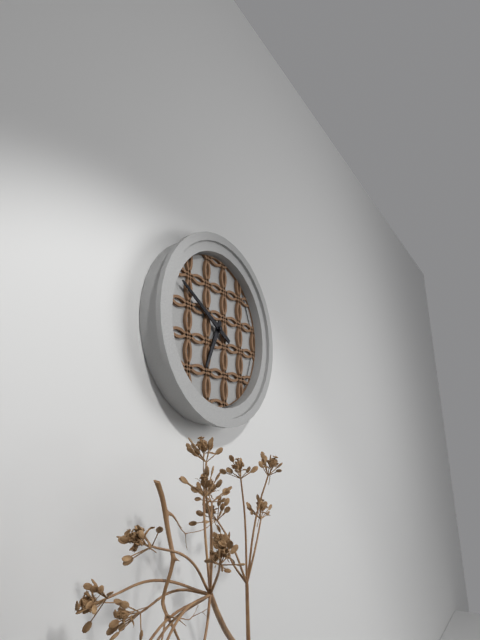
**6:50**
